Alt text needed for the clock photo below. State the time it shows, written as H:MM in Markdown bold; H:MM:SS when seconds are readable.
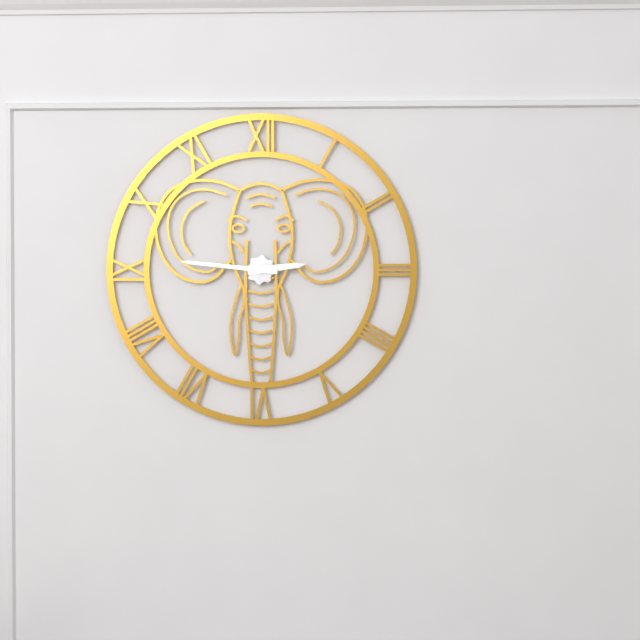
**2:46**
